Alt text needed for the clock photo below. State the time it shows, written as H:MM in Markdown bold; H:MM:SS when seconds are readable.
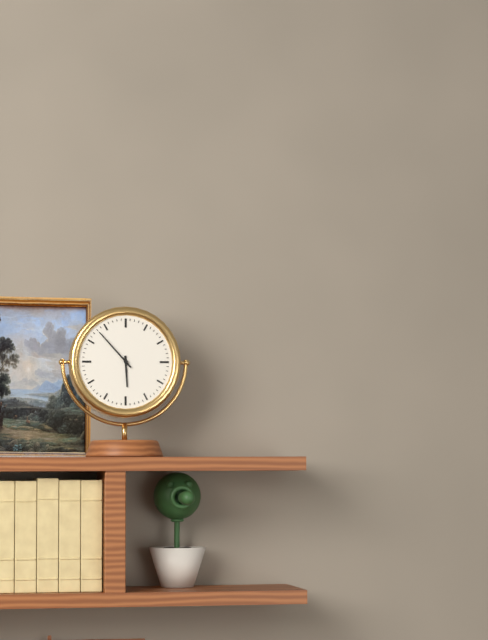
**5:53**
